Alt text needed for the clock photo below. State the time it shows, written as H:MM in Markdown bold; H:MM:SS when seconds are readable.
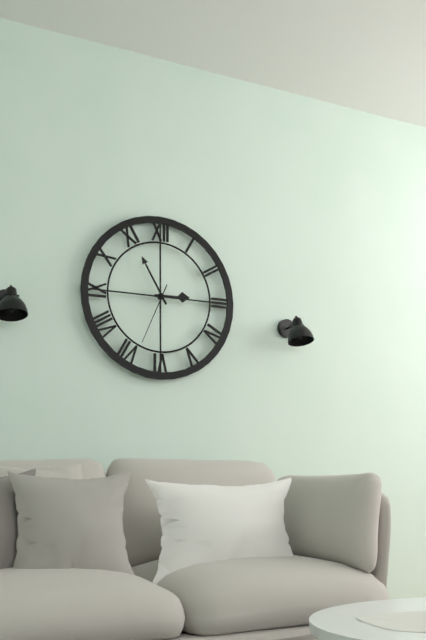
**2:55:34**
